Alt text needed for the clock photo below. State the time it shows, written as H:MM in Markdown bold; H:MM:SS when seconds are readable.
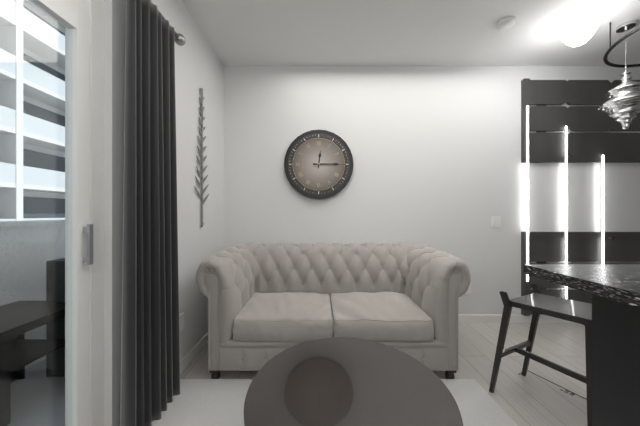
**12:15**
